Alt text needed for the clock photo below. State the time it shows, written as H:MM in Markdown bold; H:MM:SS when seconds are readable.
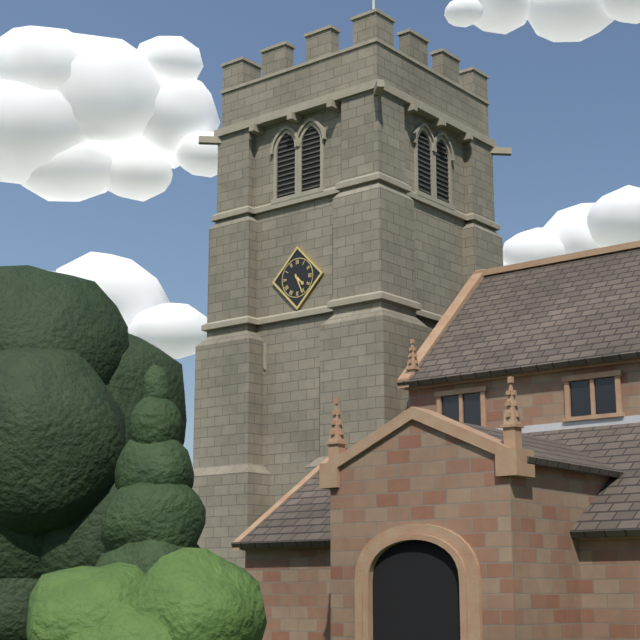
**4:26**
